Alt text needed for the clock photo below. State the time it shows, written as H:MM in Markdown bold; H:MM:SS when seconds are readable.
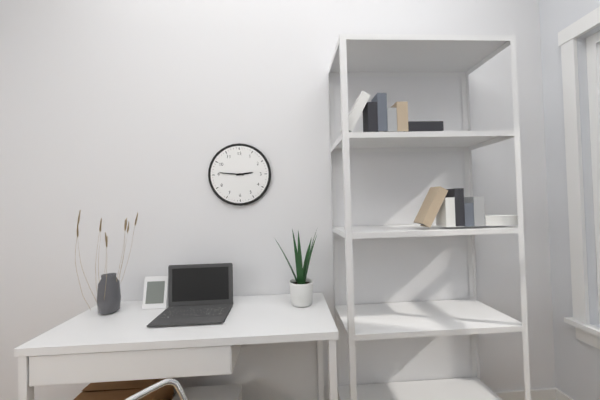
**2:46**
